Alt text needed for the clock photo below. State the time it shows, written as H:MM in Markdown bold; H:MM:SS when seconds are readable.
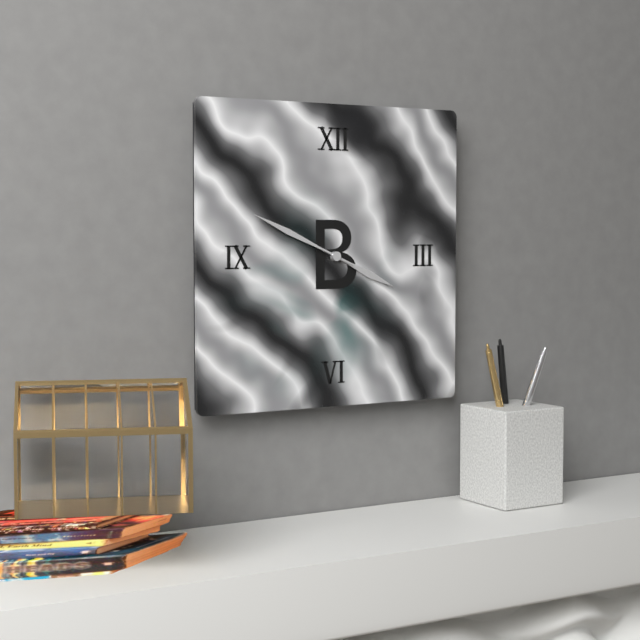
**3:49**
